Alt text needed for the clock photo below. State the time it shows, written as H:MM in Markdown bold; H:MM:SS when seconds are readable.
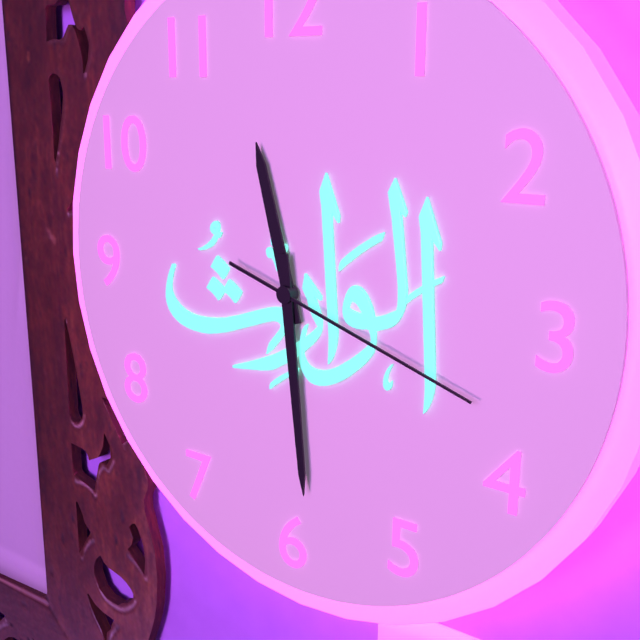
**11:29:18**
